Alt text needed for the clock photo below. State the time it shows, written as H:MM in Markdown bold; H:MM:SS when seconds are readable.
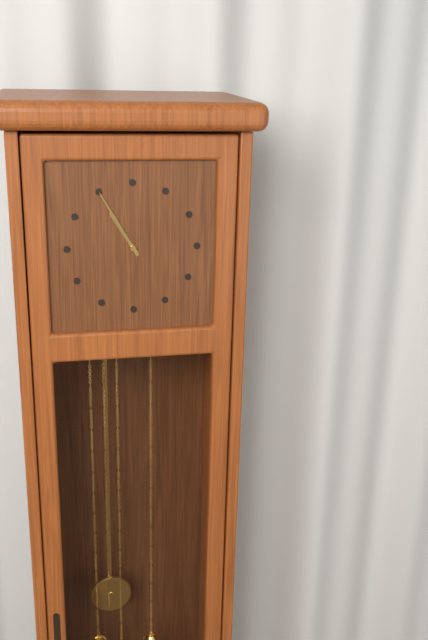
**10:55**
